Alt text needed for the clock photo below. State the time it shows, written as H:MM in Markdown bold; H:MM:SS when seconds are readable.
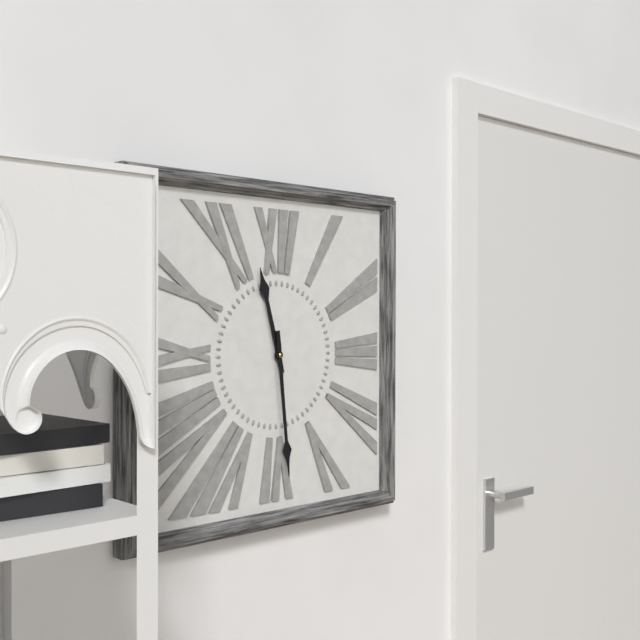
**11:29**
